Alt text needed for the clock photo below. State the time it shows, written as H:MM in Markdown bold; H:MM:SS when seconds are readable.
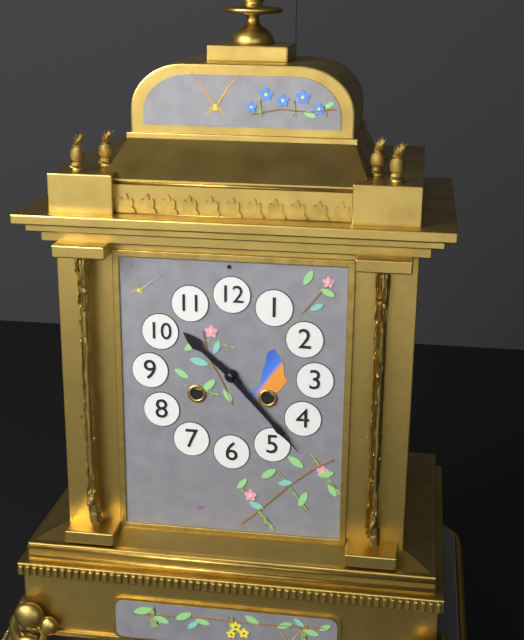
**10:23**
